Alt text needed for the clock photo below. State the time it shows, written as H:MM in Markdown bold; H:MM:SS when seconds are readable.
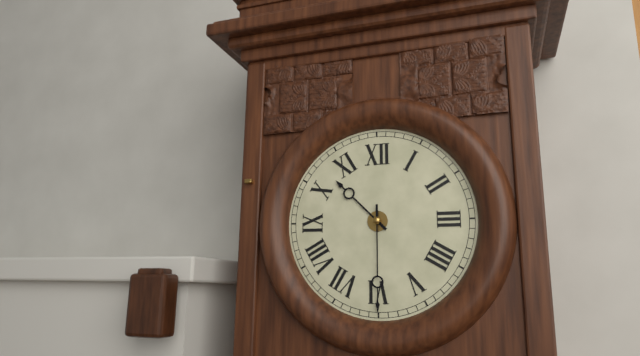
**10:30**
